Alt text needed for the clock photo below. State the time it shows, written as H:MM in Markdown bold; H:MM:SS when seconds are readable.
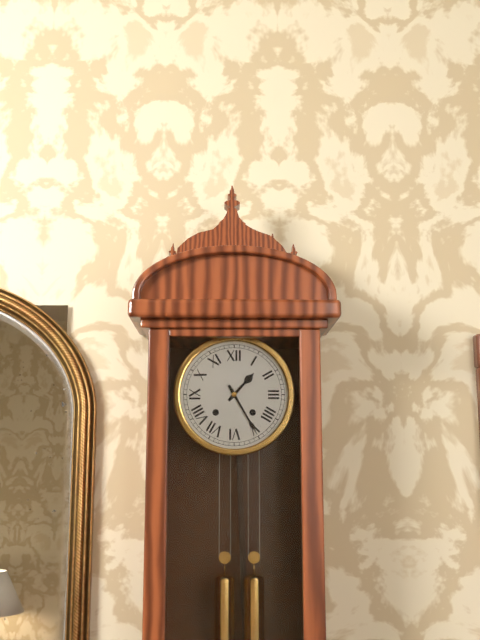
**1:25**
